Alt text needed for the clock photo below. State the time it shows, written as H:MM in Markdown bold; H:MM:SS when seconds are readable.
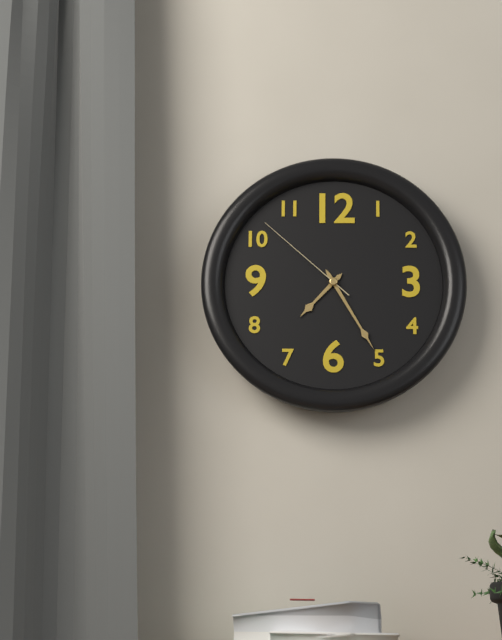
**7:25:52**
